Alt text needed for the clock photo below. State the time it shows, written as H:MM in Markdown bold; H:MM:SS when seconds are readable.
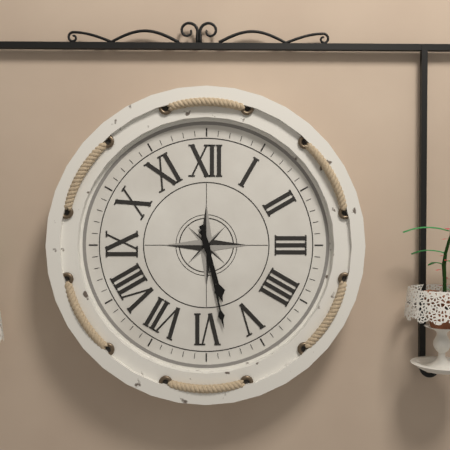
**5:28**
